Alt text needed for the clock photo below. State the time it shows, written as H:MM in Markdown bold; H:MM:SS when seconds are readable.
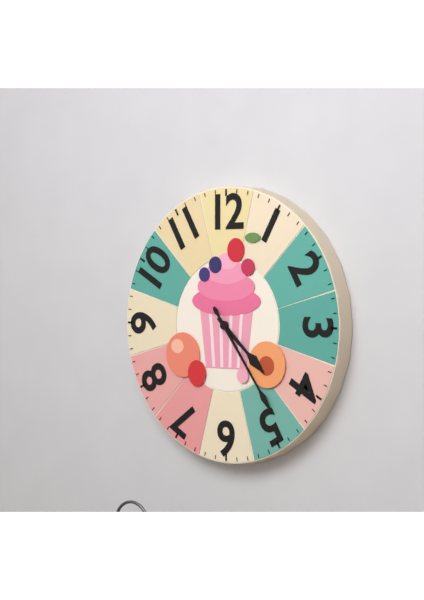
**4:24**
